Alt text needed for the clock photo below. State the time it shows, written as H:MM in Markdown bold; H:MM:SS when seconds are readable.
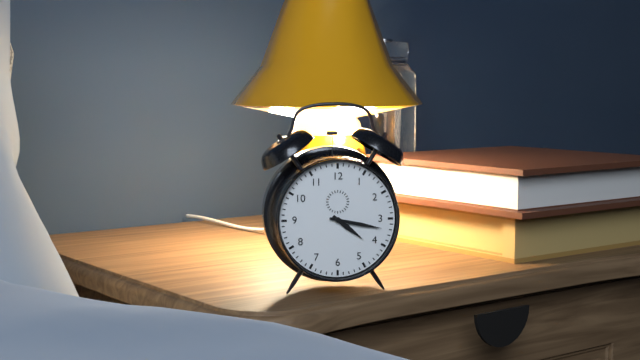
**4:17**
